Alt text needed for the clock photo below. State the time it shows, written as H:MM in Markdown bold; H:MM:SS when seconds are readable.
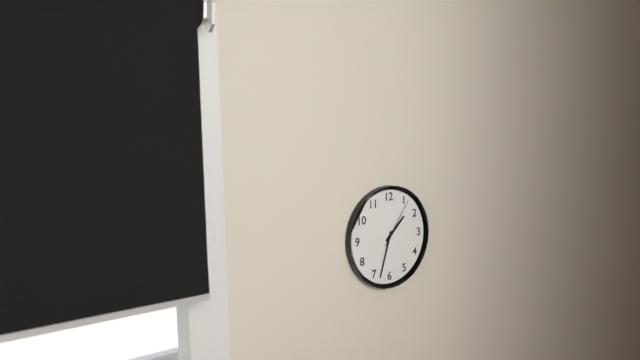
**1:33:06**
